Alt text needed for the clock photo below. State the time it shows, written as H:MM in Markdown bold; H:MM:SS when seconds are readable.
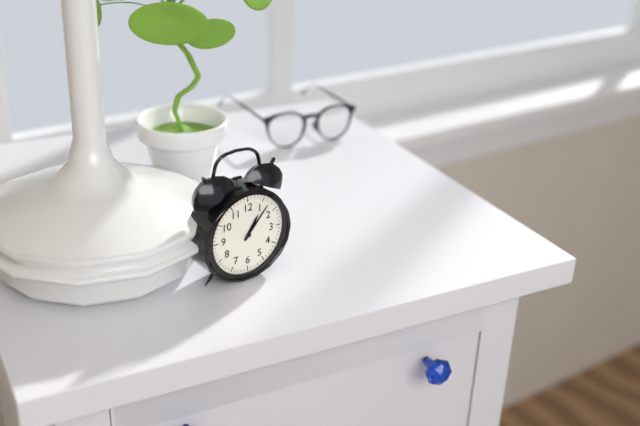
**1:07**
